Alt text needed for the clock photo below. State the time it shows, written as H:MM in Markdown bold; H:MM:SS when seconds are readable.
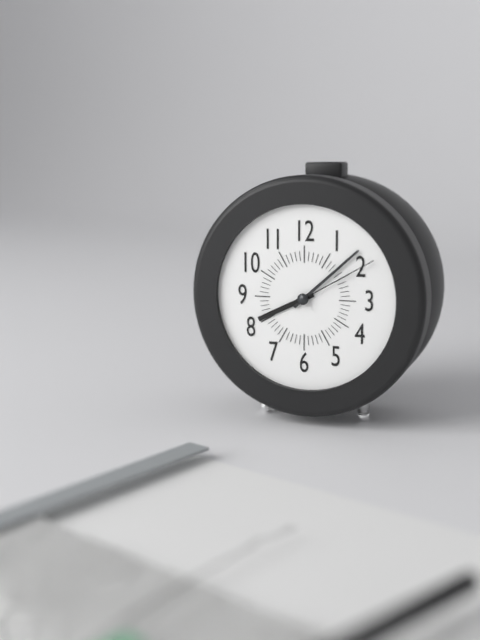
**8:08:10**
